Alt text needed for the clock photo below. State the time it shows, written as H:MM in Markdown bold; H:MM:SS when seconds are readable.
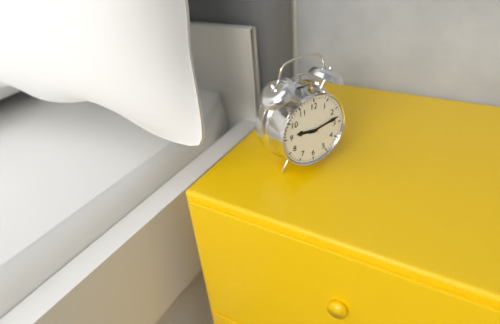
**9:13**
